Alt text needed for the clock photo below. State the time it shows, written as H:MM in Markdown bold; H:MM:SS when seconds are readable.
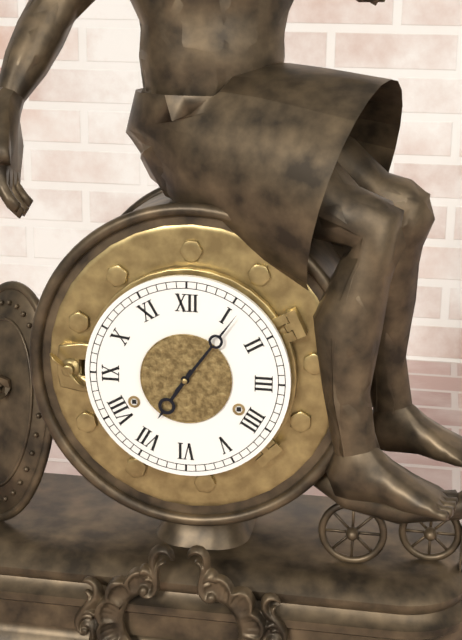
**7:06**
